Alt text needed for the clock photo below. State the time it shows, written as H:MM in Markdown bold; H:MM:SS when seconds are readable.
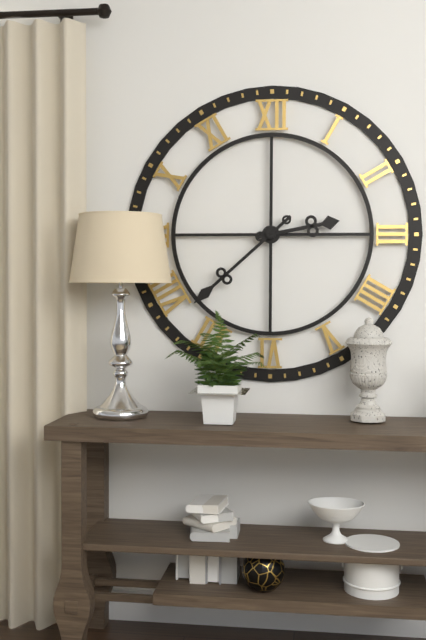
**2:38**
